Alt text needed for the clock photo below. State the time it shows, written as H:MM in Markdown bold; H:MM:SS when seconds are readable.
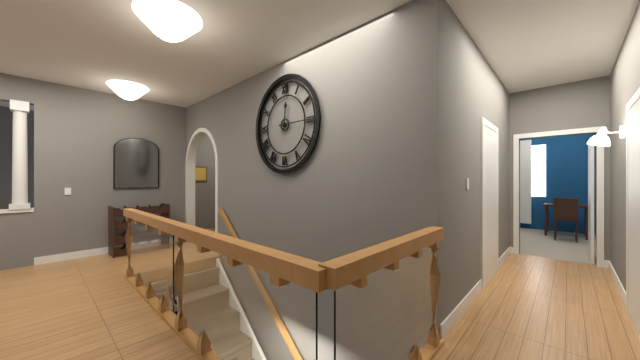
**12:15**
